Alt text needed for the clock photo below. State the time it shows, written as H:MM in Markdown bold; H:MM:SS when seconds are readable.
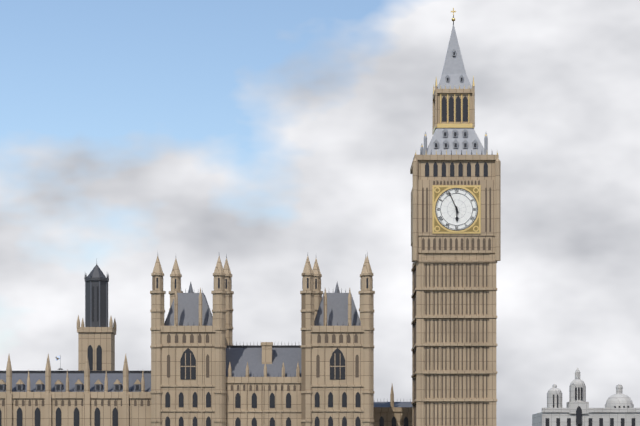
**5:56**
